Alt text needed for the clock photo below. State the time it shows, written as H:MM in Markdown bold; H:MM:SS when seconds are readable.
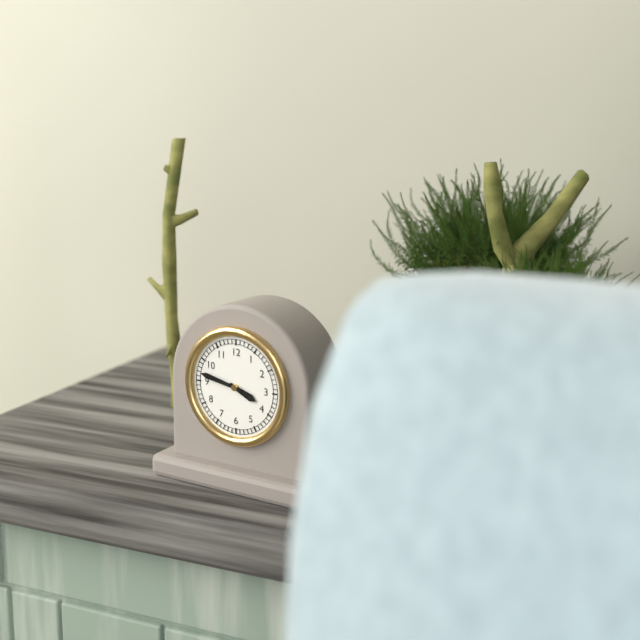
**3:47**
